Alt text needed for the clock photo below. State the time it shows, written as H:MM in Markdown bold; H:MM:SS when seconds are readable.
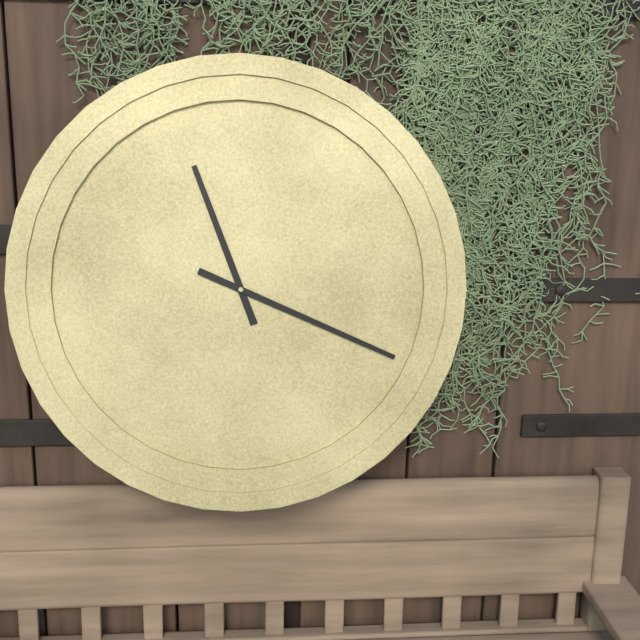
**11:19**
